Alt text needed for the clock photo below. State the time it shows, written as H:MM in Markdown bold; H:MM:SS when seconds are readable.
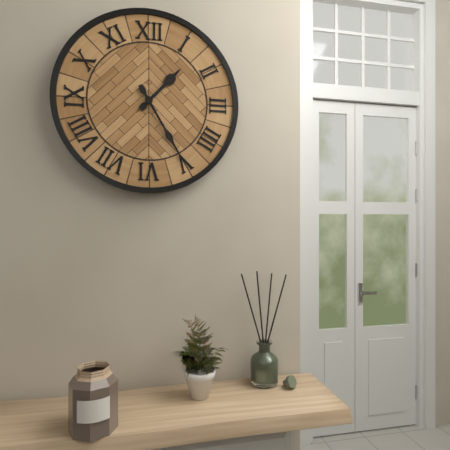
**1:25**
